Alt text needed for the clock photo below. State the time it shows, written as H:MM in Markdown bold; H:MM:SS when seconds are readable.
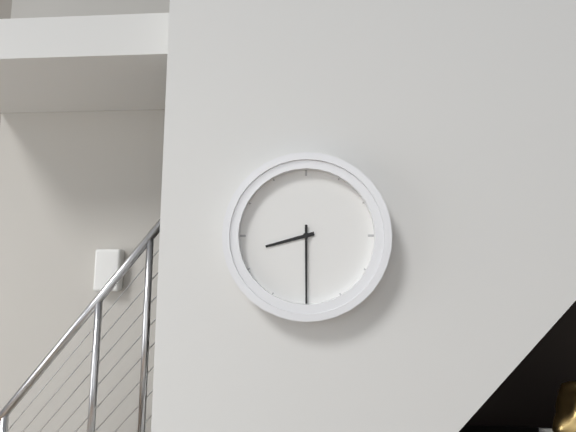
**8:30**
